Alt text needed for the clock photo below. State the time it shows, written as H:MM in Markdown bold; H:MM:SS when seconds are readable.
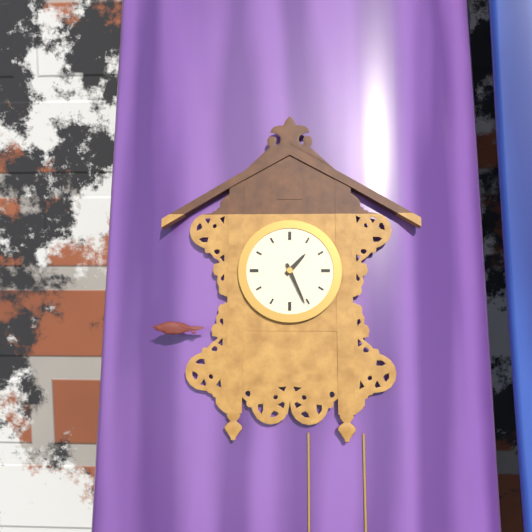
**1:26**
